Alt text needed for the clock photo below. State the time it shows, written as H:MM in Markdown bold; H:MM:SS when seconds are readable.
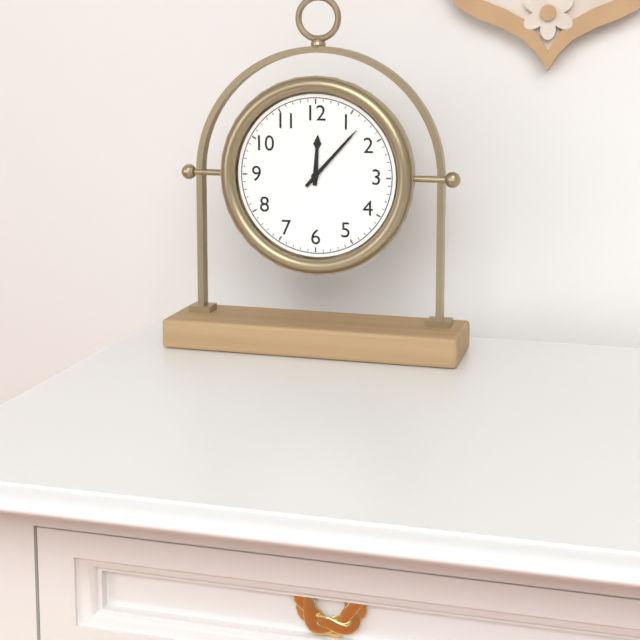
**12:07**
